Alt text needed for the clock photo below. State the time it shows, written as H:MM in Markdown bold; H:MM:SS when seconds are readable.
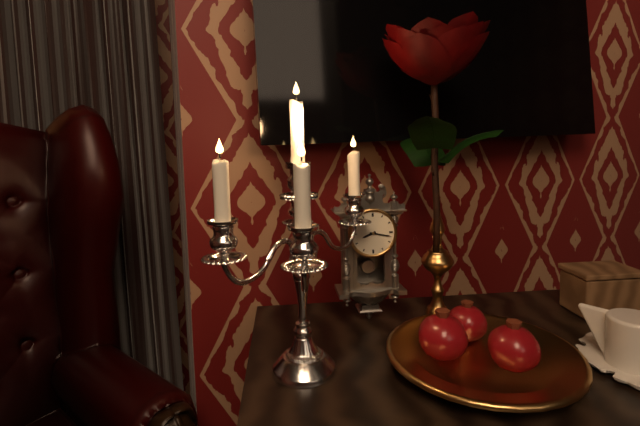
**8:17**
